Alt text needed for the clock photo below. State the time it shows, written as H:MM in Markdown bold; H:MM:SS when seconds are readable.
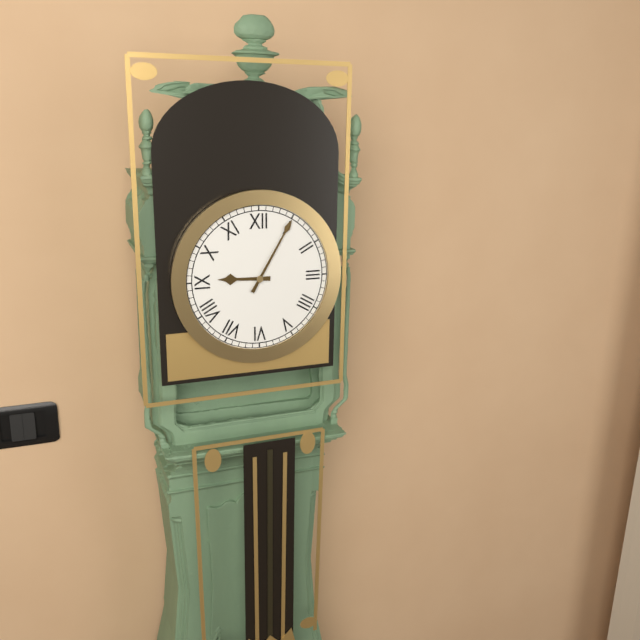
**9:05**
